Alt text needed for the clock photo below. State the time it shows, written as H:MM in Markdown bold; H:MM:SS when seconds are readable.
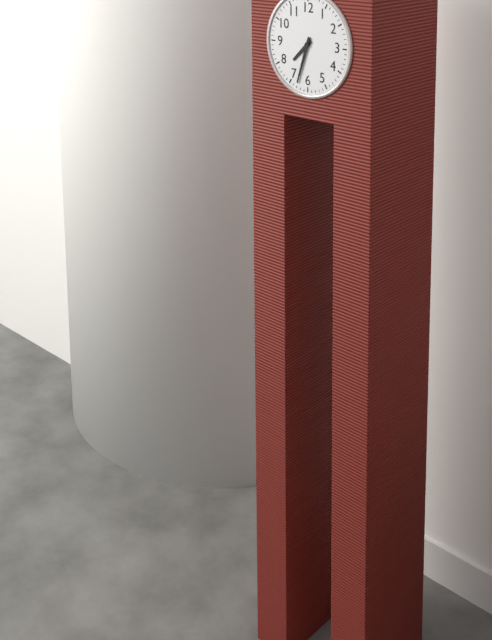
**7:33**
